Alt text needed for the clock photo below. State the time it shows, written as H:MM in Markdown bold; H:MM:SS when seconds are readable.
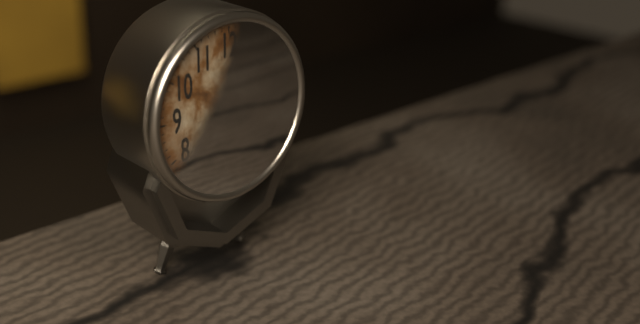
**12:01**
